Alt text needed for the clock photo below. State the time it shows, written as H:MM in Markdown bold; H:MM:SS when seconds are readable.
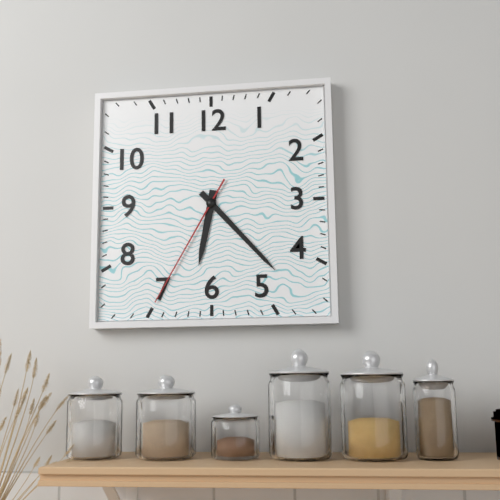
**6:23:35**
